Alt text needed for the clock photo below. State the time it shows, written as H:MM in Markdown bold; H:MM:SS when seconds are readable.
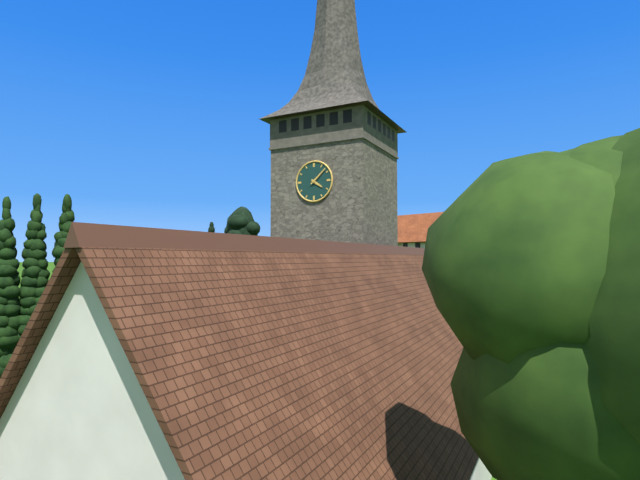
**4:08**
